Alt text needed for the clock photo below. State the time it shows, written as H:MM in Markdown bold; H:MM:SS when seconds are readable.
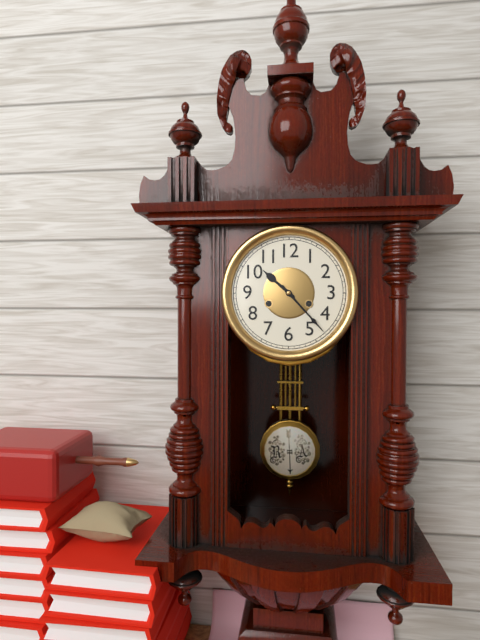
**10:23**
